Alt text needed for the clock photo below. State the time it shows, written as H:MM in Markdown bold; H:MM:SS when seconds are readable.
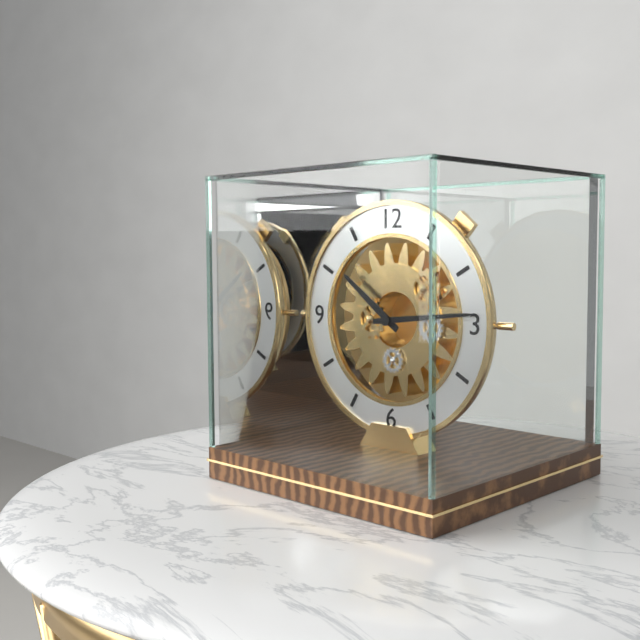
**10:14**
